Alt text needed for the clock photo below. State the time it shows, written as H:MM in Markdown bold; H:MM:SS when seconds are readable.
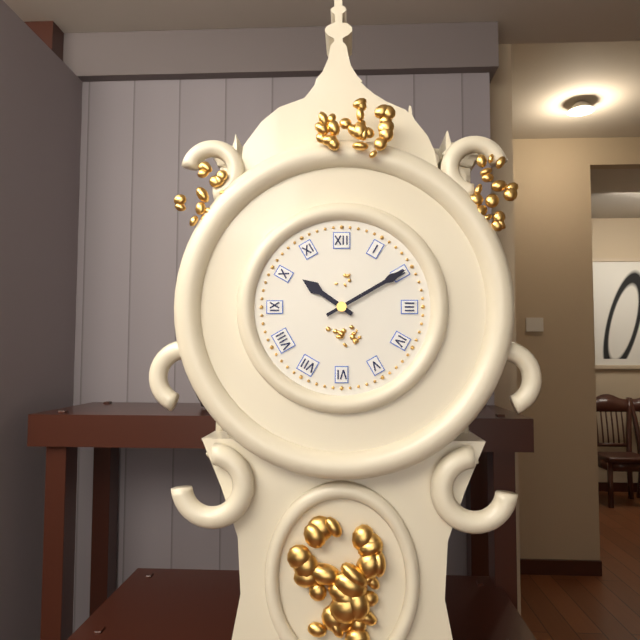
**10:10**
